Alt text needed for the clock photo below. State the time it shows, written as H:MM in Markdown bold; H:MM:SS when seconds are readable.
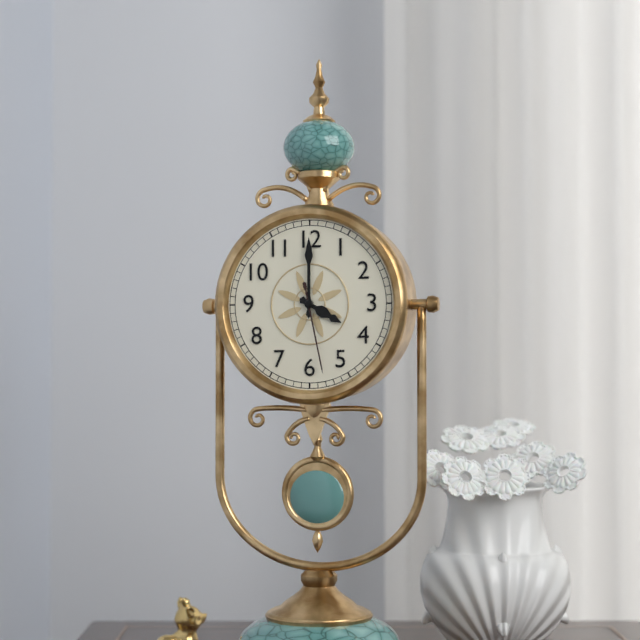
**4:00:28**
